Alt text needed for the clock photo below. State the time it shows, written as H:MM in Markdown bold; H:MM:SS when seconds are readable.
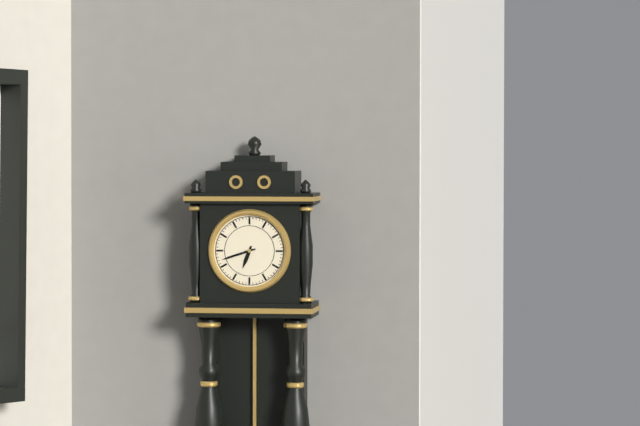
**6:42**
